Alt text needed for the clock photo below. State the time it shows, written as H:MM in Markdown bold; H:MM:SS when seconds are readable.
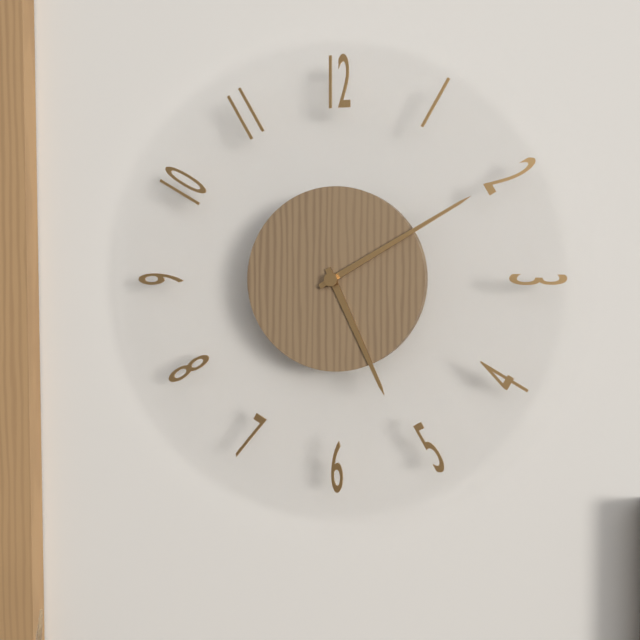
**5:10**
